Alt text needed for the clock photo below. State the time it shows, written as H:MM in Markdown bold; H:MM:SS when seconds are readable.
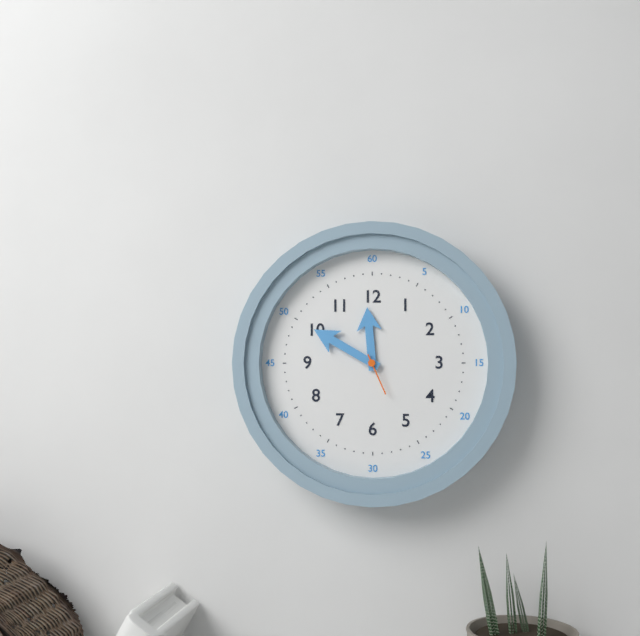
**11:50**
